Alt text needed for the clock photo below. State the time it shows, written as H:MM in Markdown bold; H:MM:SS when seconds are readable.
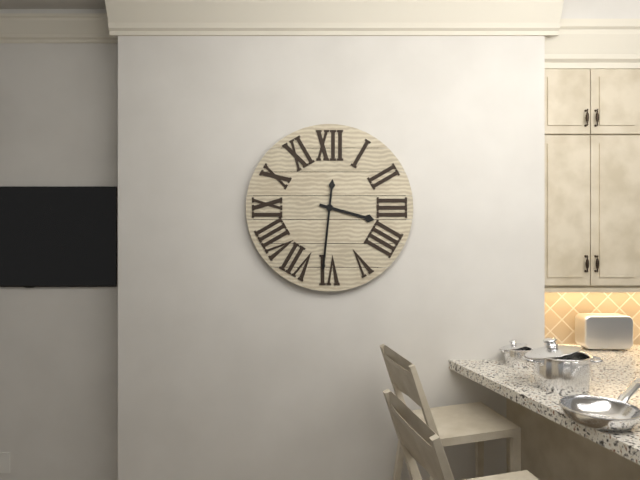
**3:31**
